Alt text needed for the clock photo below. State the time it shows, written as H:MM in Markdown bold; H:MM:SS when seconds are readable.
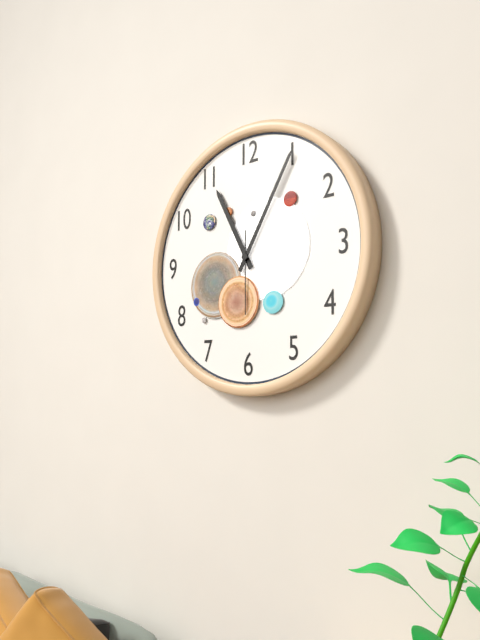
**11:05:30**
